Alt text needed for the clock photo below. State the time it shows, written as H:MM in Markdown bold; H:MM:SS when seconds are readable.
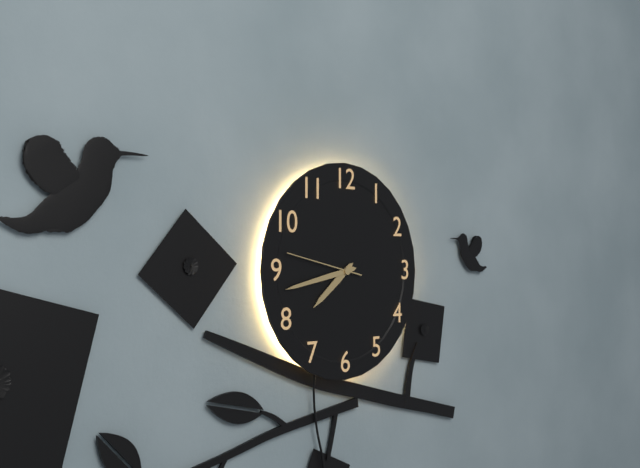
**7:43:47**
